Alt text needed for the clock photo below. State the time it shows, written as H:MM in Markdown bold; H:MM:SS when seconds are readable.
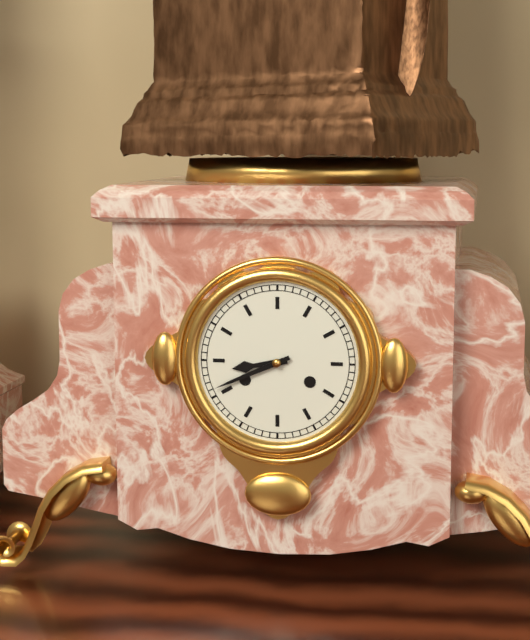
**8:41**
